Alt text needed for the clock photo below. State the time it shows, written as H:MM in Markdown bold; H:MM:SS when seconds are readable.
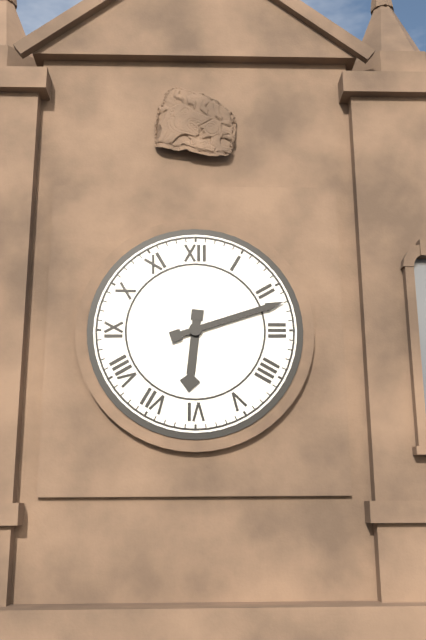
**6:12**
